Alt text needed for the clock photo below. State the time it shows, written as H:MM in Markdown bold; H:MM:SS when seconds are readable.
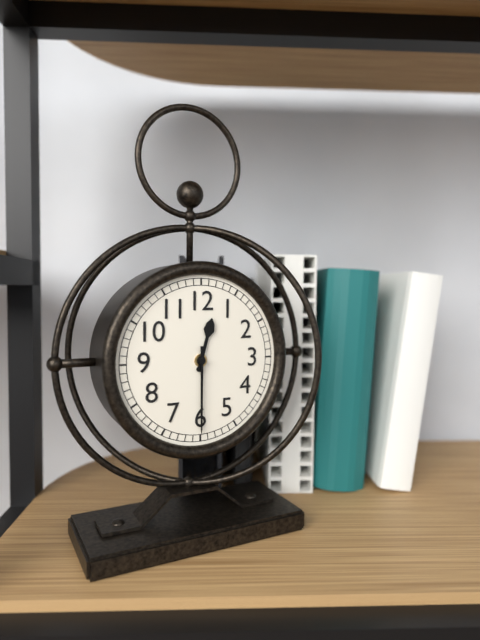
**12:30**
